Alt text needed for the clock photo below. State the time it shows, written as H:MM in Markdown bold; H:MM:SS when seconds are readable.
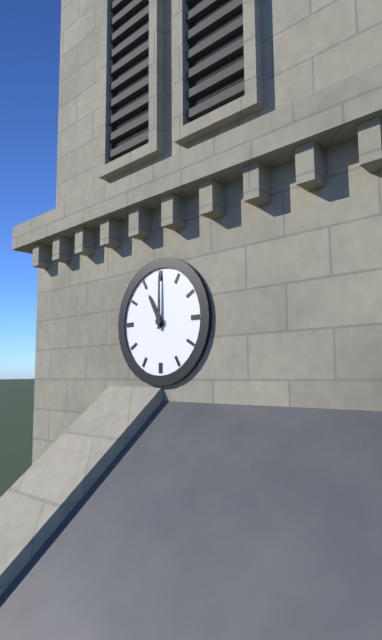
**11:00**
